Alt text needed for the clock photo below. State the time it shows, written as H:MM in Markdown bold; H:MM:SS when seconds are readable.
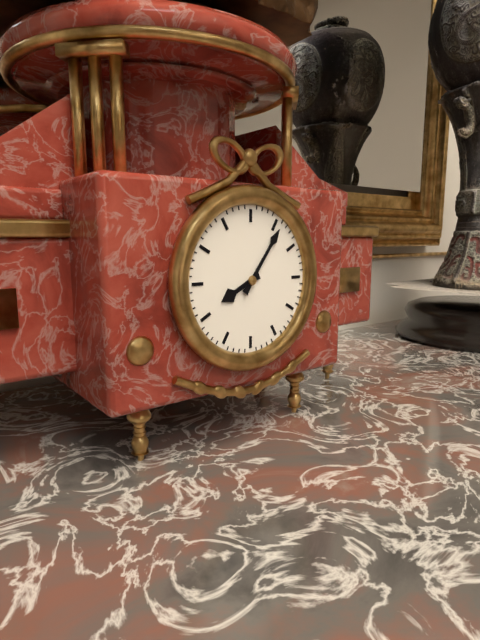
**8:06**
